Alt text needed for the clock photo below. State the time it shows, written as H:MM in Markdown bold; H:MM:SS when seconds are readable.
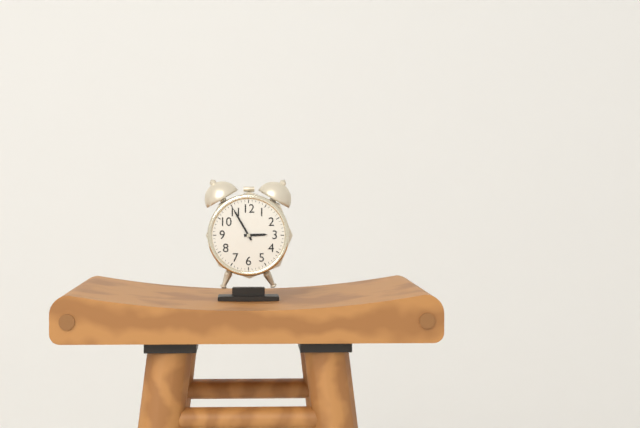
**2:55**
